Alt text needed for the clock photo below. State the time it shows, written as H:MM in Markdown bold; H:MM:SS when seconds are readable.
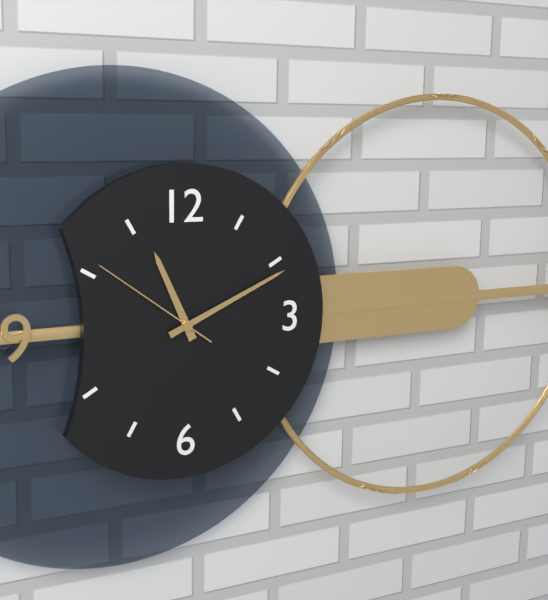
**11:11:51**
